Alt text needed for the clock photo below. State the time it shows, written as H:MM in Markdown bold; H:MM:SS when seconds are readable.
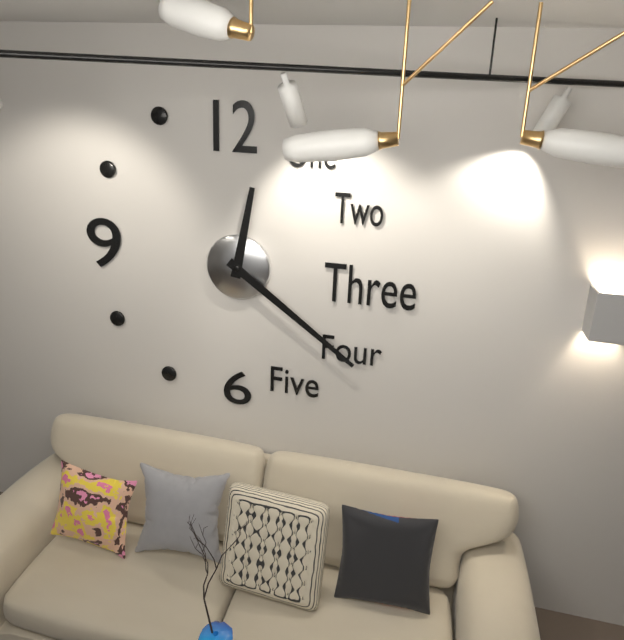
**12:21**
